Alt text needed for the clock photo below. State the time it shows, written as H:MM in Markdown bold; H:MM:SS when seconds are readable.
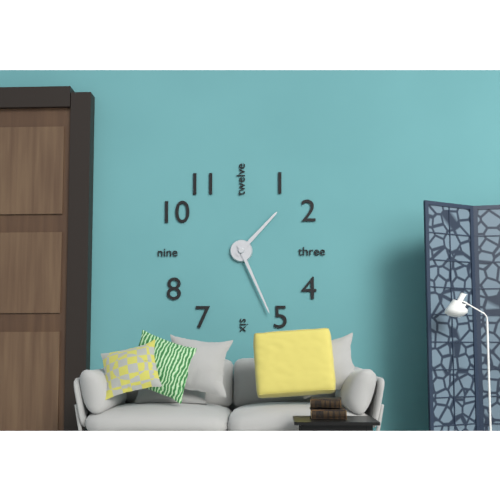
**1:26**
